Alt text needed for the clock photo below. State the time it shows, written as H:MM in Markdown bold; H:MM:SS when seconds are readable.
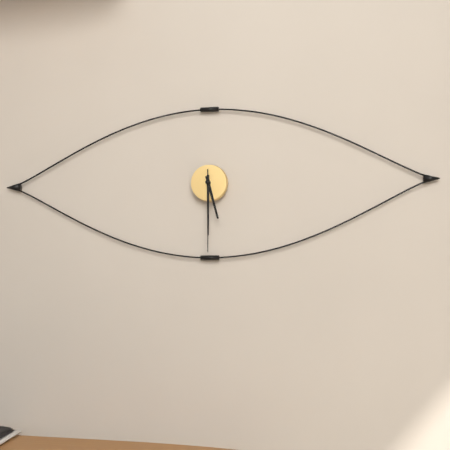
**5:30:30**
